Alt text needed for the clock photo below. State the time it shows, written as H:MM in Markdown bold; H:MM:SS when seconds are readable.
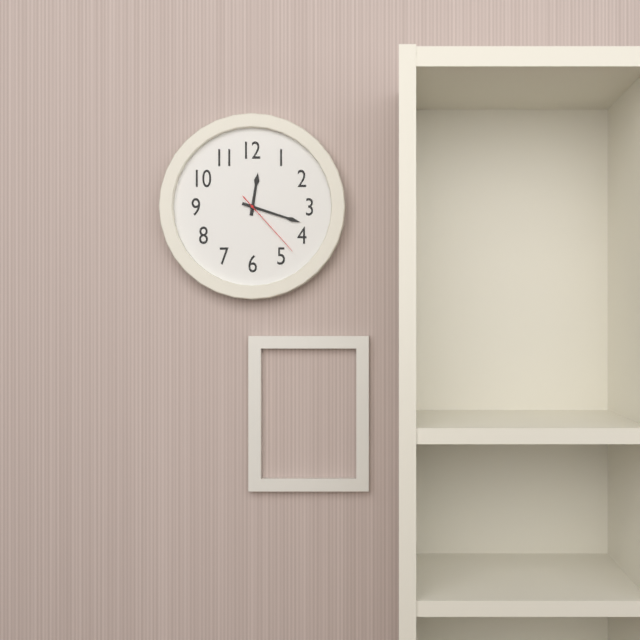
**12:18:23**
